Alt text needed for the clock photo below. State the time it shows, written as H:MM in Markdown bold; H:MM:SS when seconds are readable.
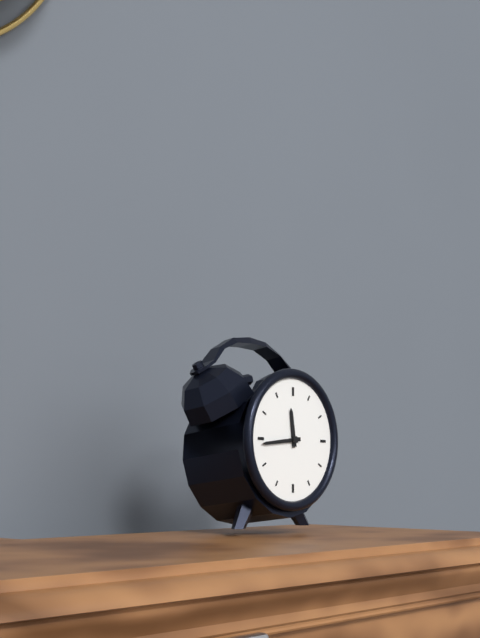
**11:44**
